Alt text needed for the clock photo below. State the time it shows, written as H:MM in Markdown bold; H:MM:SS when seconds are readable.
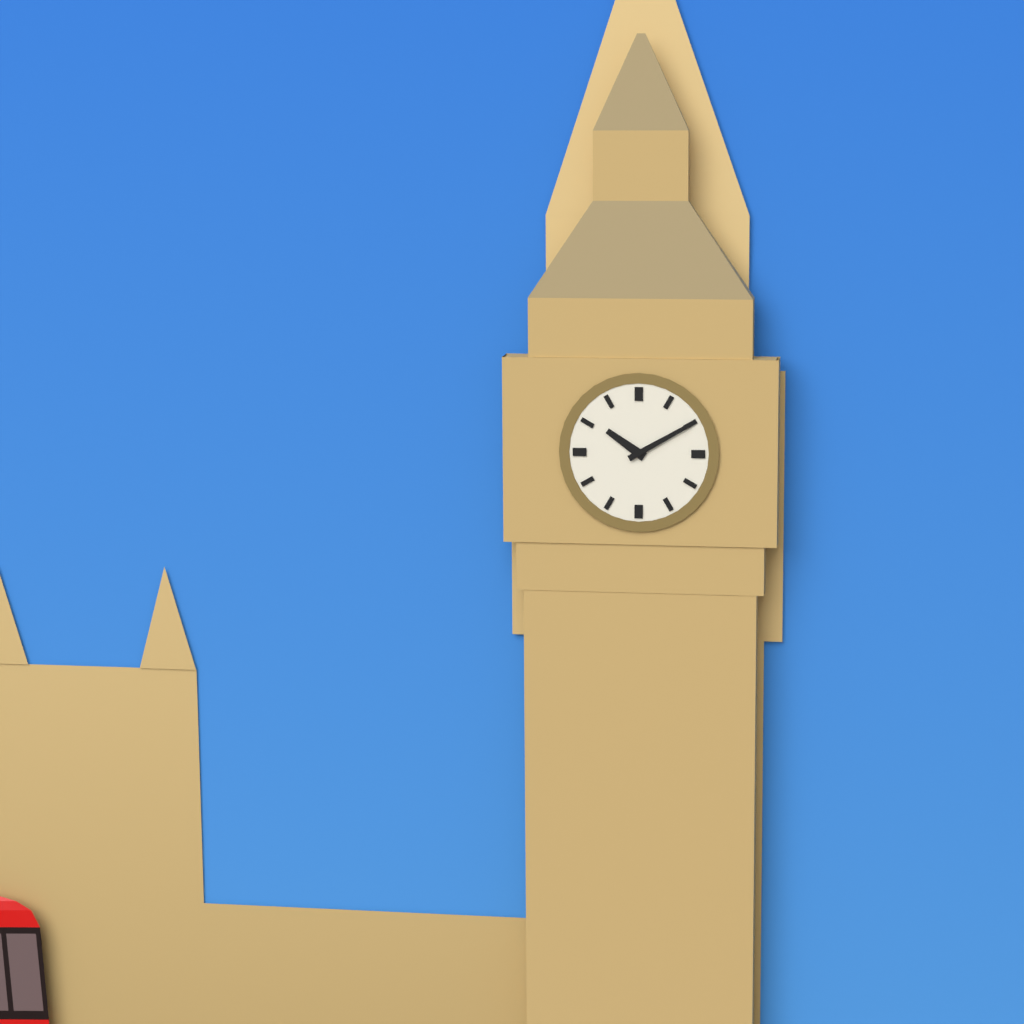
**10:10**
